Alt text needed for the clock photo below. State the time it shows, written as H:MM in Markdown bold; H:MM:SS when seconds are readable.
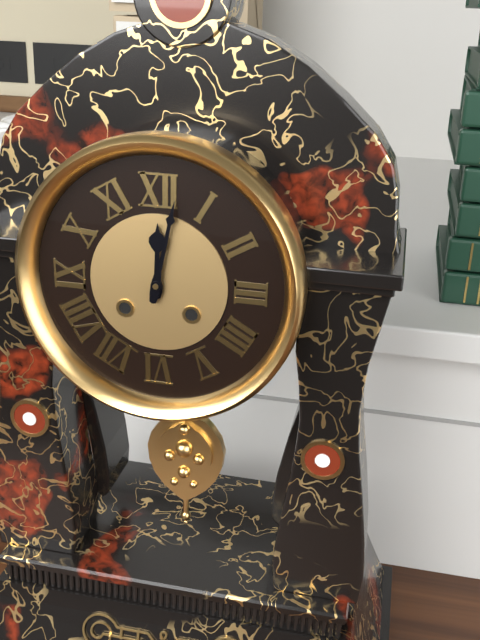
**12:02**
